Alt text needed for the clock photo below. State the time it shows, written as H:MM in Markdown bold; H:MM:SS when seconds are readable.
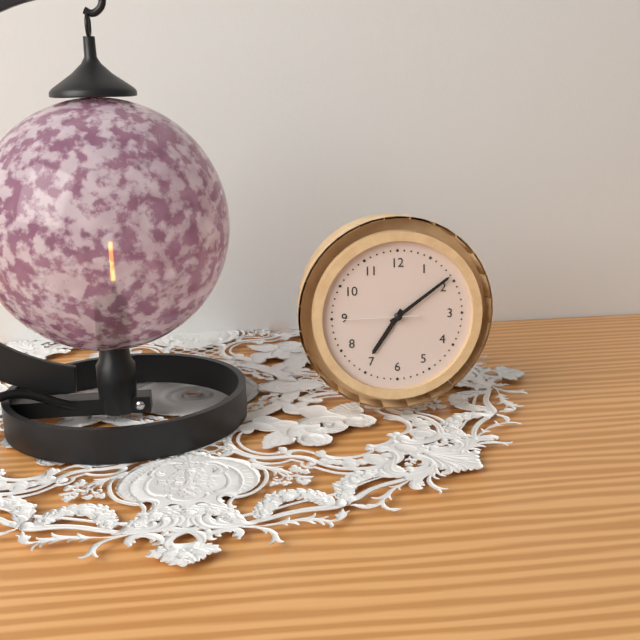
**7:09:45**
